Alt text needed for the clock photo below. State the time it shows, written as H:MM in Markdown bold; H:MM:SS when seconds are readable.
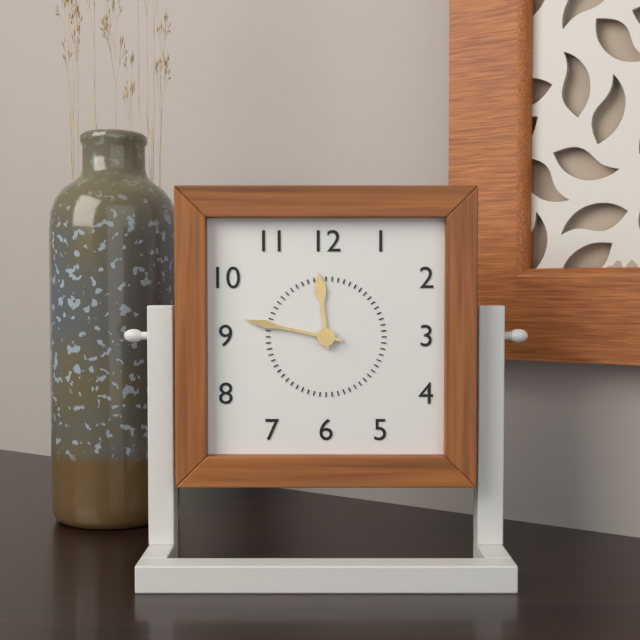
**11:47**
